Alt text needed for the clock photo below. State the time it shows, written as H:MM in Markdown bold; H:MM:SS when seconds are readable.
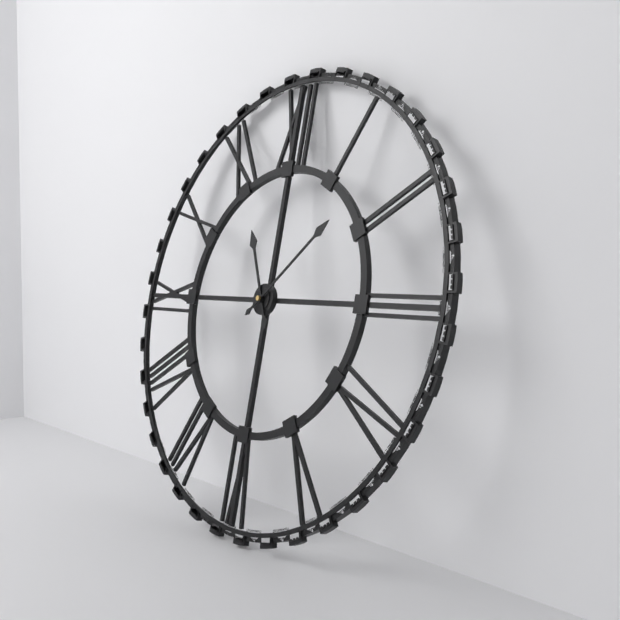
**11:08**
